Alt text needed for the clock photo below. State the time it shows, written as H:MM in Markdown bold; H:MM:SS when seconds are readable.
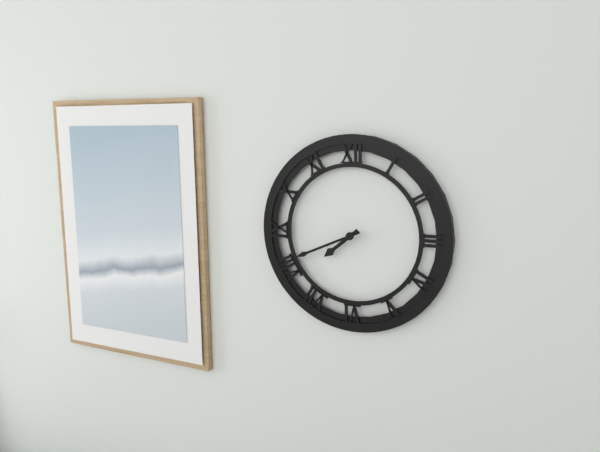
**7:41**
